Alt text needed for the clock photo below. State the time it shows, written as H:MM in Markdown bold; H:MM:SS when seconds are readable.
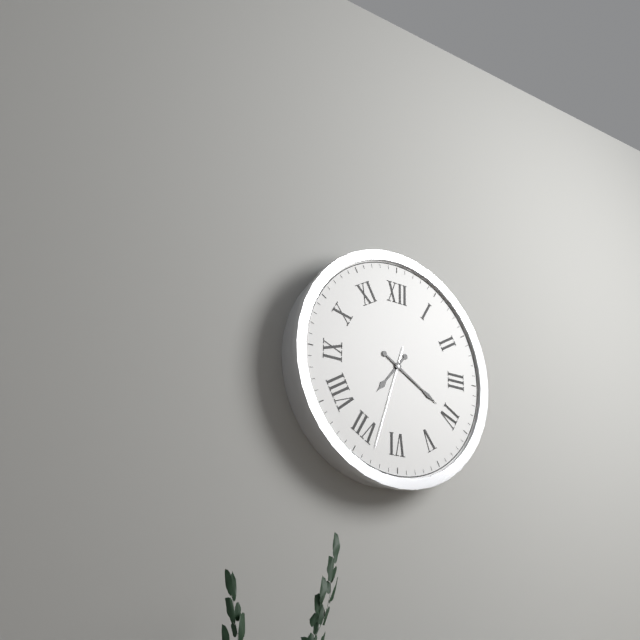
**7:20:33**
